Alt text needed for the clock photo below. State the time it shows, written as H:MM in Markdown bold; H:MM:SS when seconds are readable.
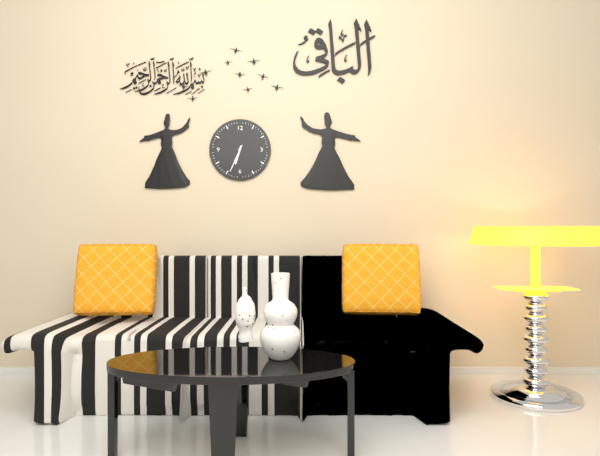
**6:34**
